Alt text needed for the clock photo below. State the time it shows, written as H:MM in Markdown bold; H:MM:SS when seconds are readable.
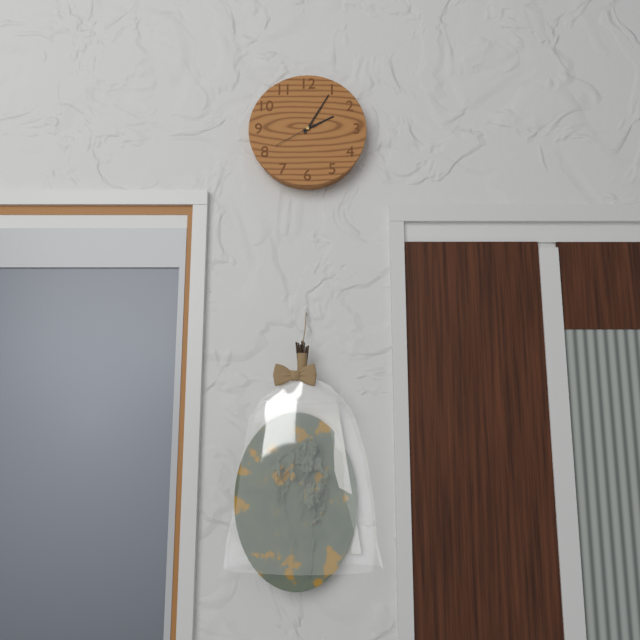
**2:05**
